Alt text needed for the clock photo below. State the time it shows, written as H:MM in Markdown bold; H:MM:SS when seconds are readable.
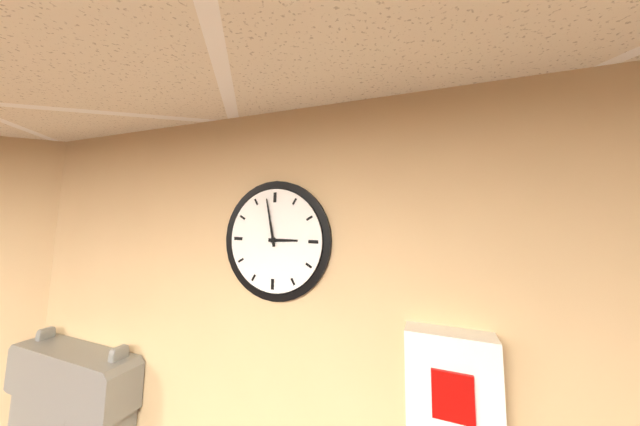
**2:58**
